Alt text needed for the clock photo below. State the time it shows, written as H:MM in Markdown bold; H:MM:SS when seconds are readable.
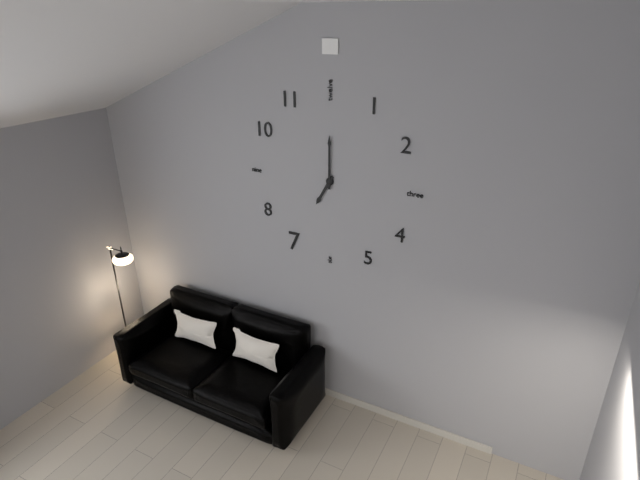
**7:00**
